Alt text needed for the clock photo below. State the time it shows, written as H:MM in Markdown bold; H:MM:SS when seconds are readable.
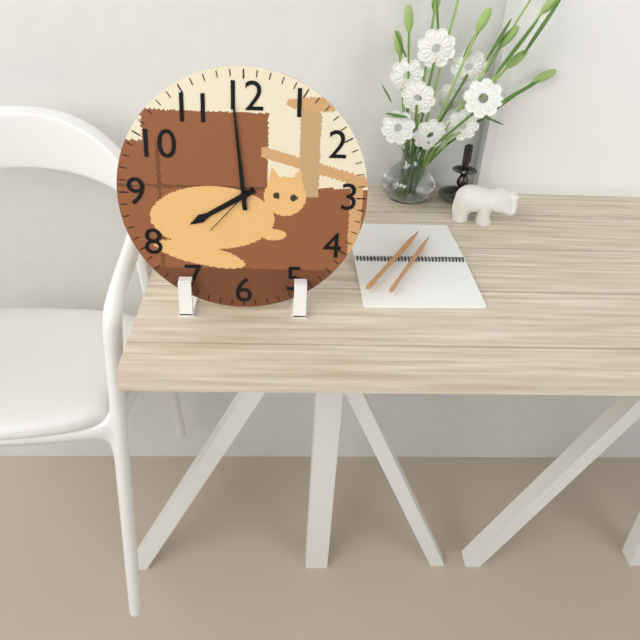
**7:59:37**
